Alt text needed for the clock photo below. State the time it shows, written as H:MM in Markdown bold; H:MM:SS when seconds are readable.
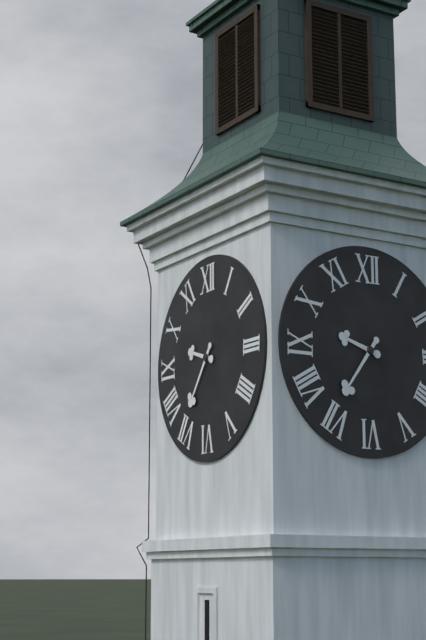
**9:36**
